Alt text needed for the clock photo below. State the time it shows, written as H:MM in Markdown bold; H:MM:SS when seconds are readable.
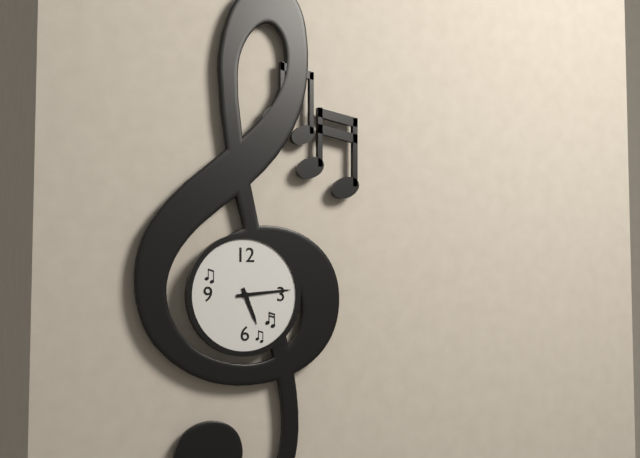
**5:14**
